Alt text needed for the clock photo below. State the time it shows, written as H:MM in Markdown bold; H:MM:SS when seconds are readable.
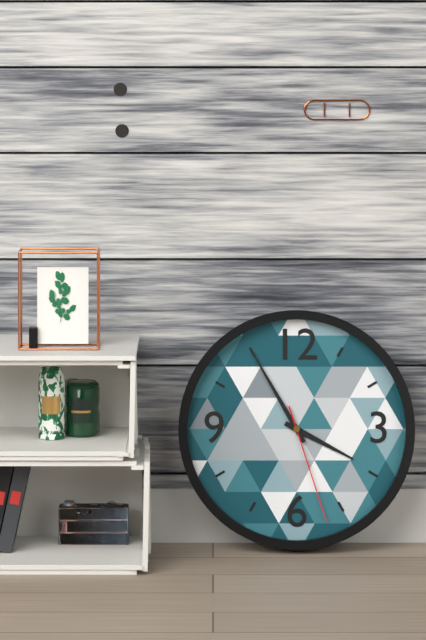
**3:55:27**
